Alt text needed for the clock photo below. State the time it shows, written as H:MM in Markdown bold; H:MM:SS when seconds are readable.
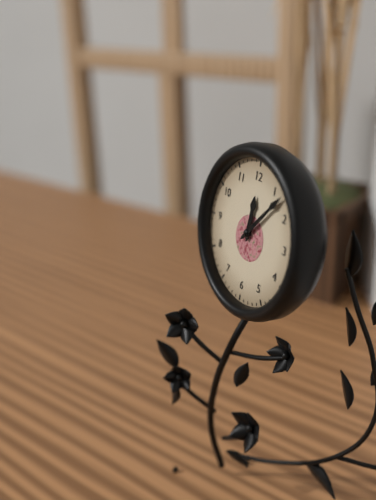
**12:07**
